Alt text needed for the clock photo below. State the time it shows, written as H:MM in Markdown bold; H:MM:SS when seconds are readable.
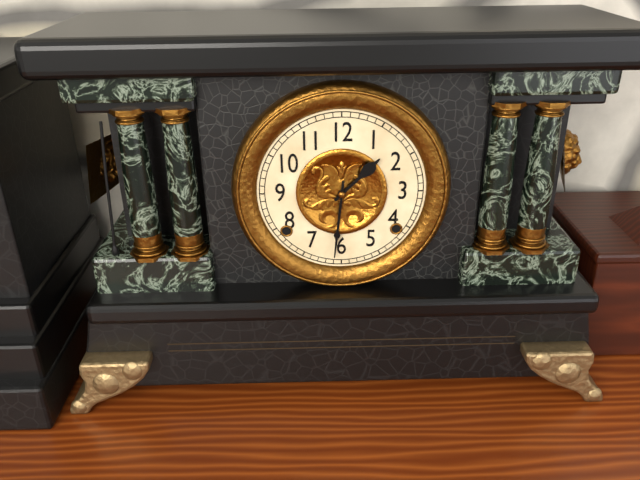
**1:31**
